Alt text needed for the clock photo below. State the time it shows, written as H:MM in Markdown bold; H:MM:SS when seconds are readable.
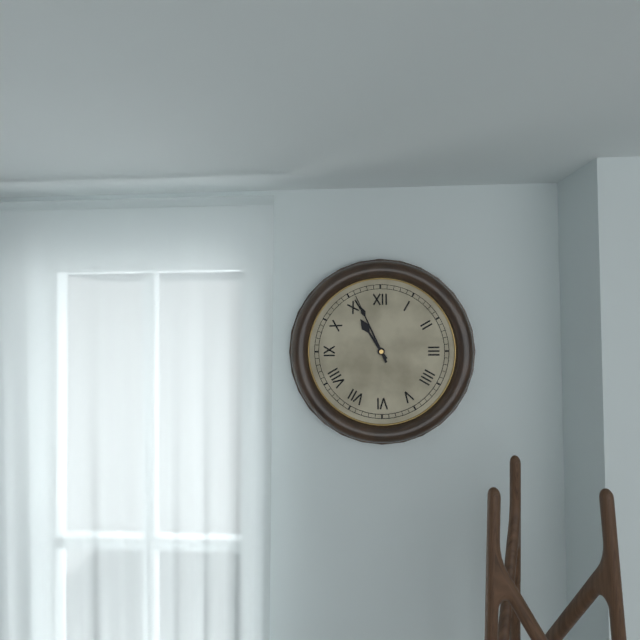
**10:56**
